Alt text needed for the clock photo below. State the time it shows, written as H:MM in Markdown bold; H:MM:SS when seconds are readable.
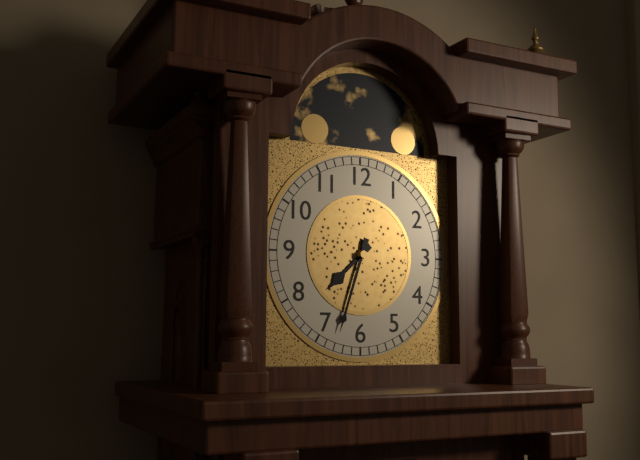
**7:33**
